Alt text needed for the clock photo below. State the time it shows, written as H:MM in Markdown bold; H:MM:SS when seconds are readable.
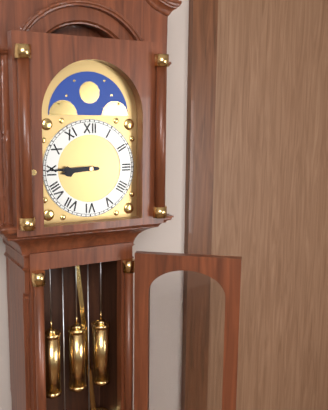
**8:45**
